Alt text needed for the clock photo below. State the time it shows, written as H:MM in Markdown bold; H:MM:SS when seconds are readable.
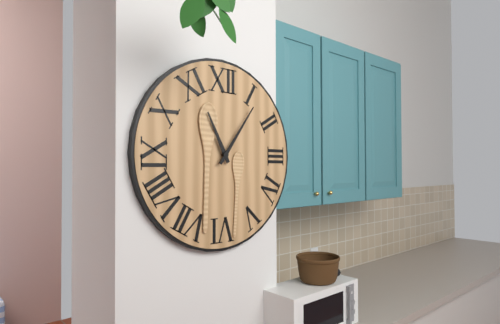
**11:06**
